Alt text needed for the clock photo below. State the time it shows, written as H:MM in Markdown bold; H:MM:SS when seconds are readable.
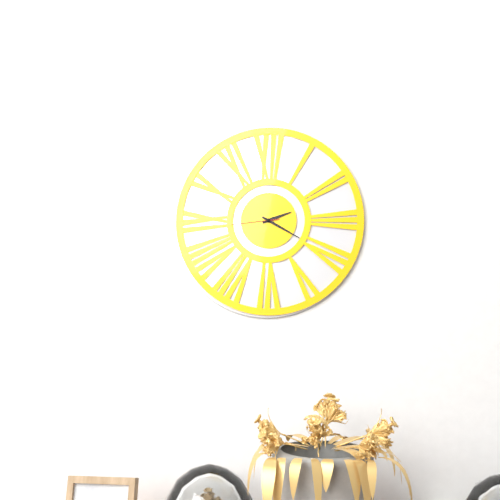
**2:20**
